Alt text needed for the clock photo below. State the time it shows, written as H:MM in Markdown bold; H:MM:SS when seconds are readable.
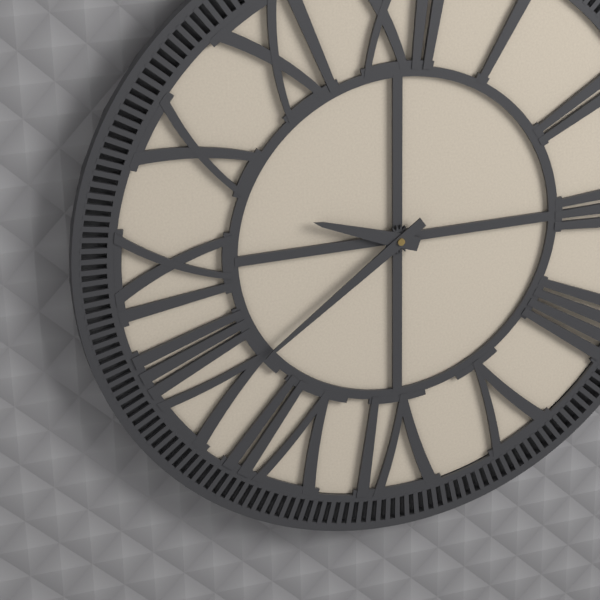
**9:39**
